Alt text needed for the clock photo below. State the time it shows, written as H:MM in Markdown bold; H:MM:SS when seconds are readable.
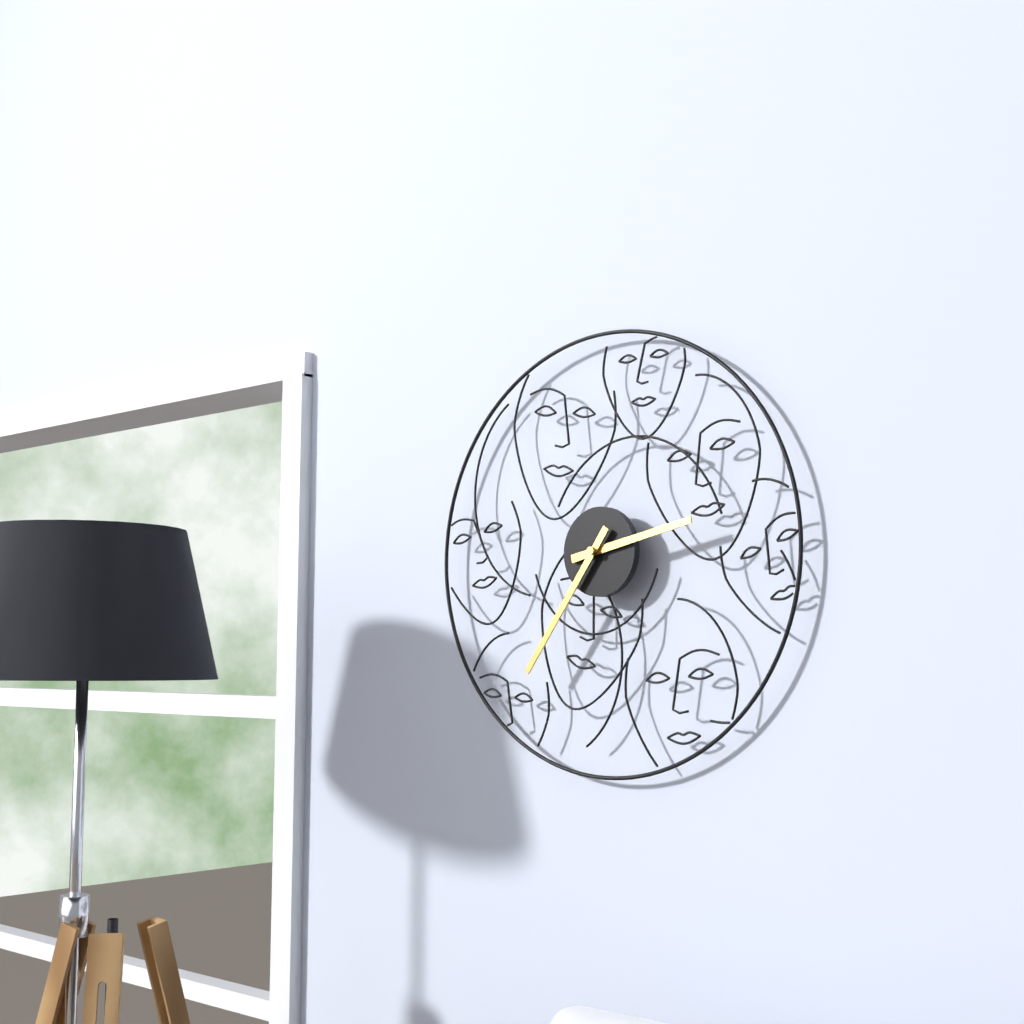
**2:36**
